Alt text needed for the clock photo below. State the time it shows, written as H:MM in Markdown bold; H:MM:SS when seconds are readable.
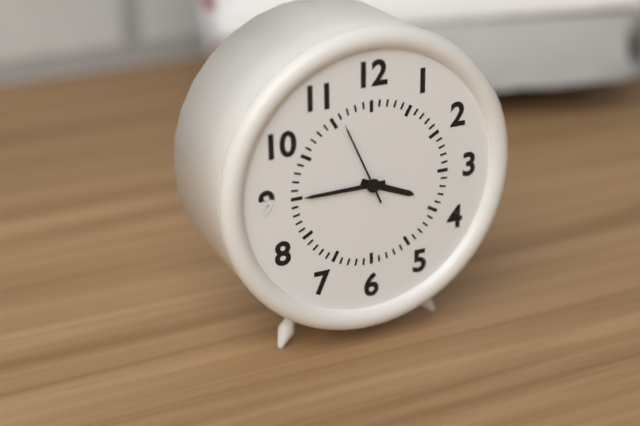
**3:45:56**
